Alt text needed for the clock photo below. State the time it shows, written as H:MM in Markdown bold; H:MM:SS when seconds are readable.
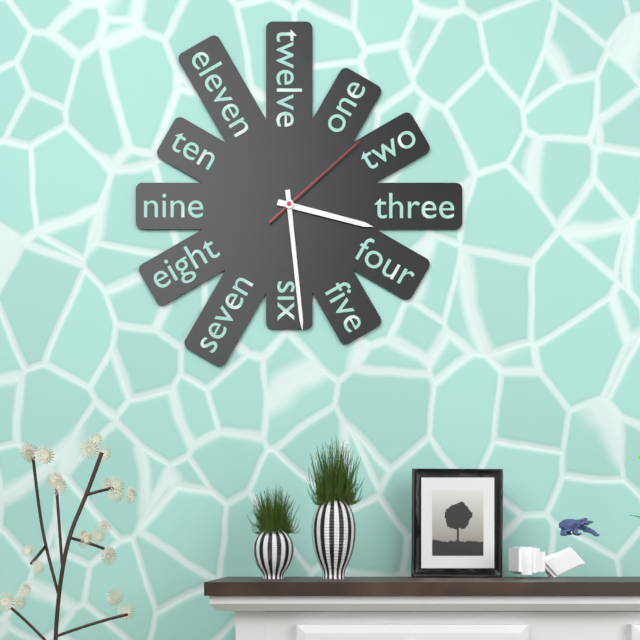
**3:29:08**
